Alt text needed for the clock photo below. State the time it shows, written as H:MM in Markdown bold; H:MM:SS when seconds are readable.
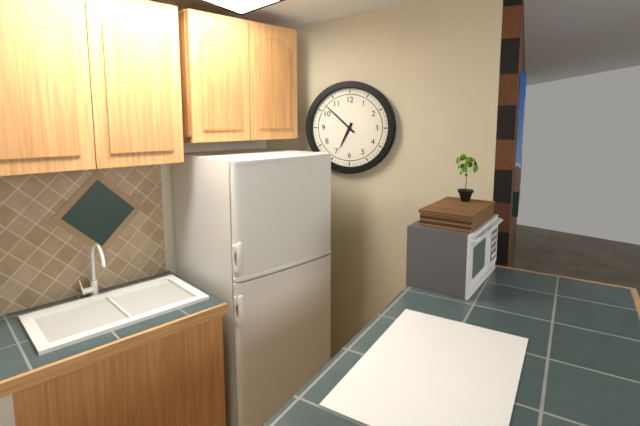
**6:52**
